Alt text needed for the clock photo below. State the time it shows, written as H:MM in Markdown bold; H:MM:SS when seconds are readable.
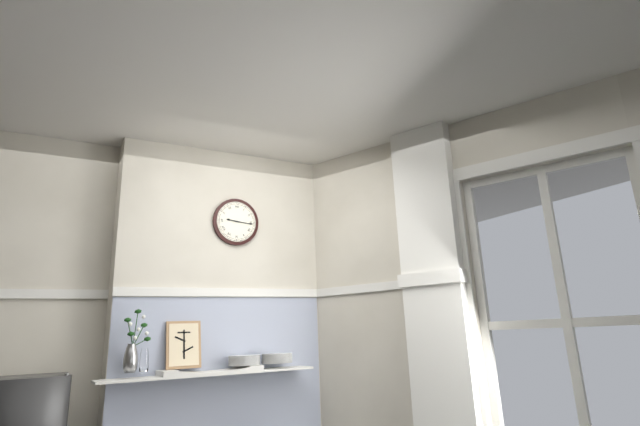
**9:16**
